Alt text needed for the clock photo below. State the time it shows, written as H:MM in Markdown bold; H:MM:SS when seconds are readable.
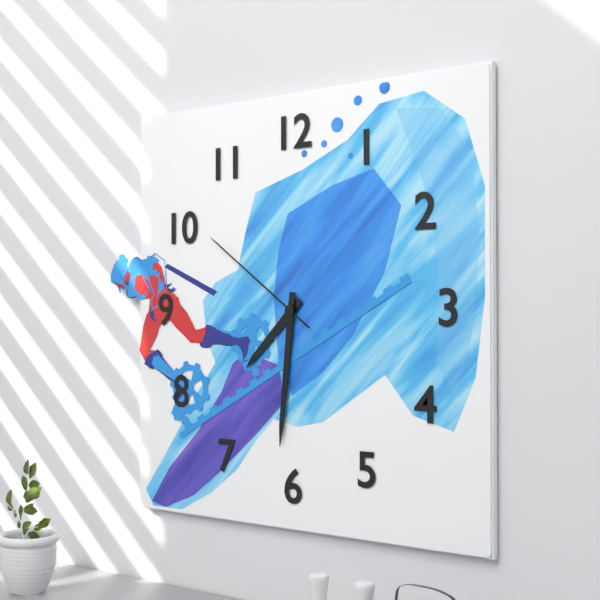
**7:31:51**
